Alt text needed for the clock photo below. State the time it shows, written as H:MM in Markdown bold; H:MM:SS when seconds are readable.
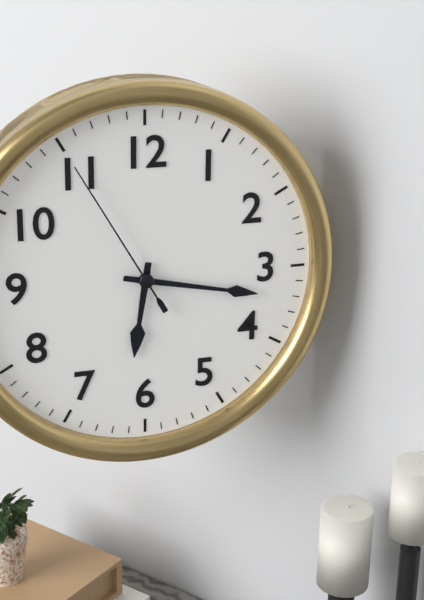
**6:17:55**
